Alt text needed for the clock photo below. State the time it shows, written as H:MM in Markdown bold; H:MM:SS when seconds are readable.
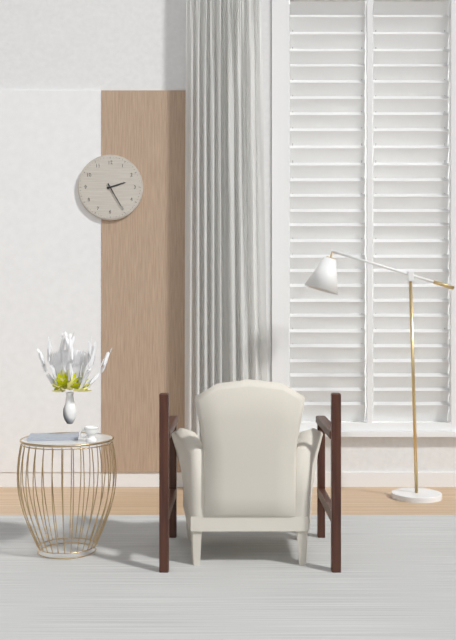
**2:25**
